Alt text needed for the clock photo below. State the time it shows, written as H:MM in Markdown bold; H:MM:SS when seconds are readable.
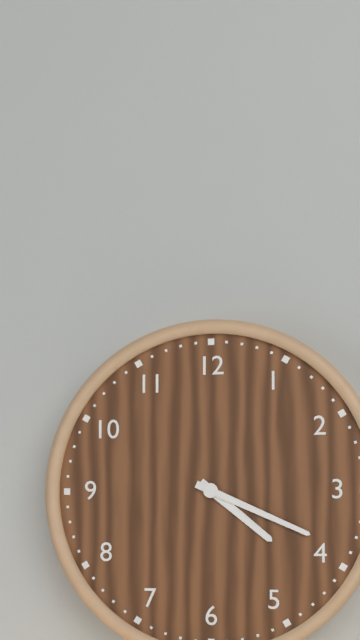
**4:19**
